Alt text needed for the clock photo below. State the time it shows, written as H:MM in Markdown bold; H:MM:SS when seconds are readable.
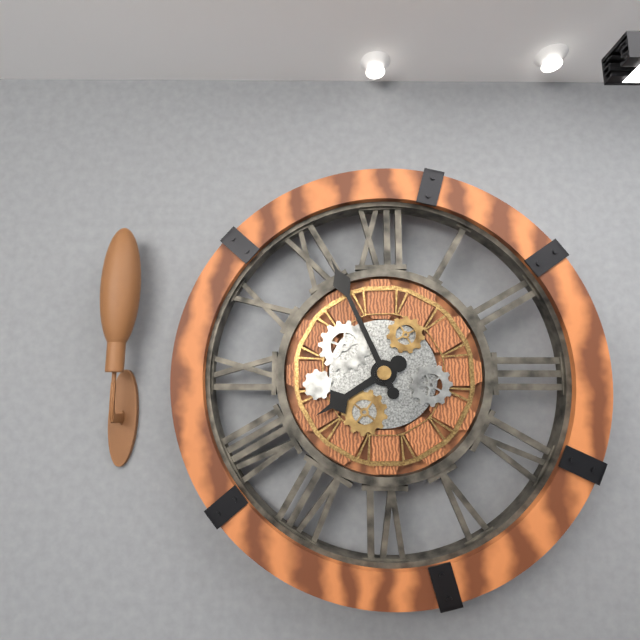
**7:56**
